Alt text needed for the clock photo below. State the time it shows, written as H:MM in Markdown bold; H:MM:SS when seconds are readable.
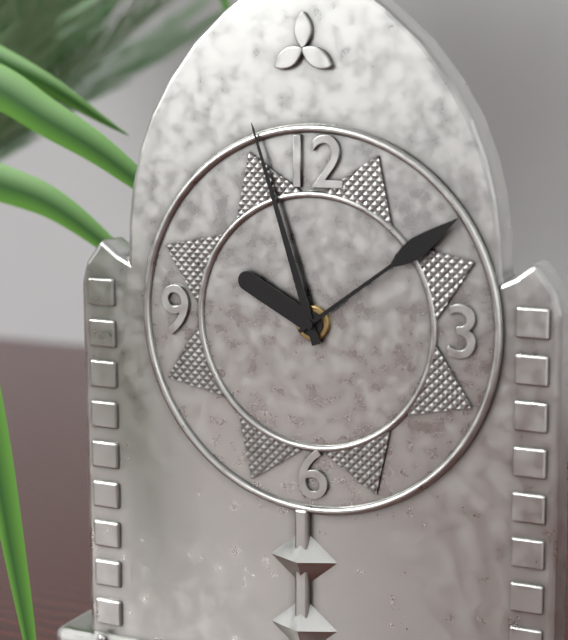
**9:57:09**
